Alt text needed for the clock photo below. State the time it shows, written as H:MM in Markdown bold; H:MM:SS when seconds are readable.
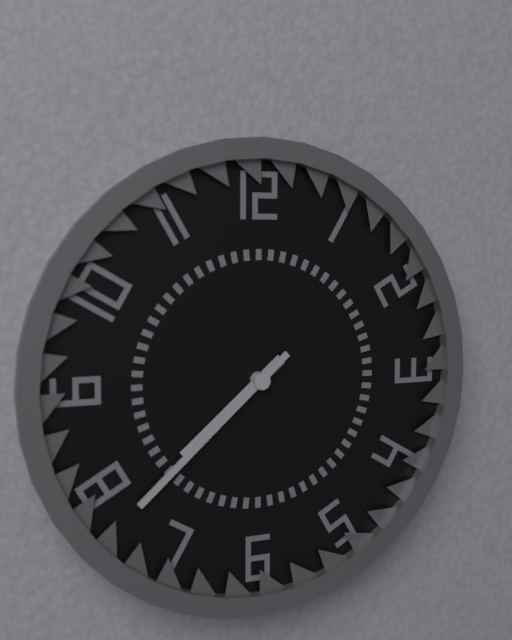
**7:38**
